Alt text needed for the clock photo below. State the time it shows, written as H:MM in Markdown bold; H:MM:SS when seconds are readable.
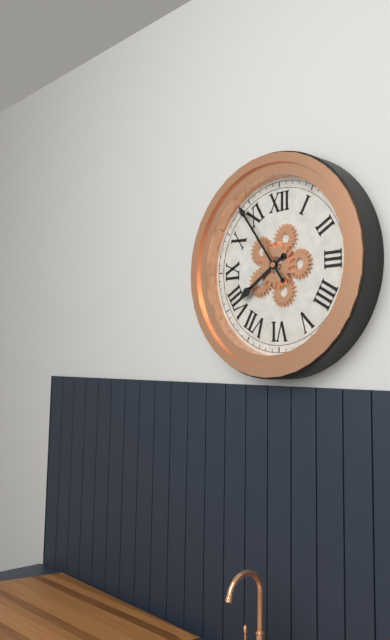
**7:54**
